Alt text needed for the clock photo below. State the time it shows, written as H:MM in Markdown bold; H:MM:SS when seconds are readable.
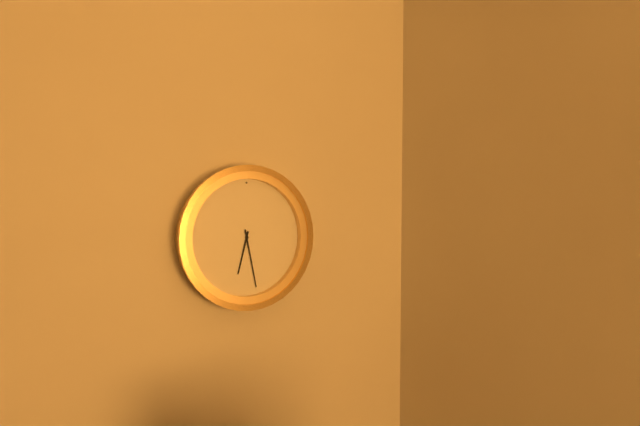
**6:28**
